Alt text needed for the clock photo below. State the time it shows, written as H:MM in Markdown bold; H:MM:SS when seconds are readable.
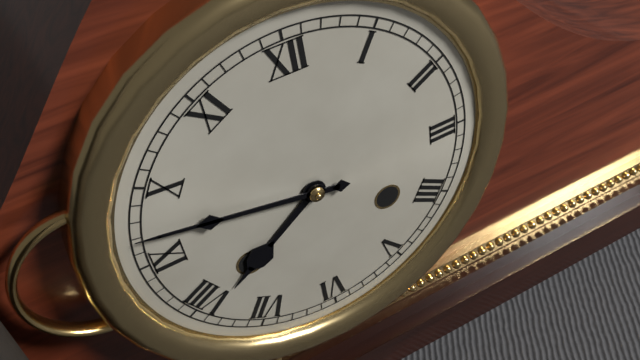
**7:47**
